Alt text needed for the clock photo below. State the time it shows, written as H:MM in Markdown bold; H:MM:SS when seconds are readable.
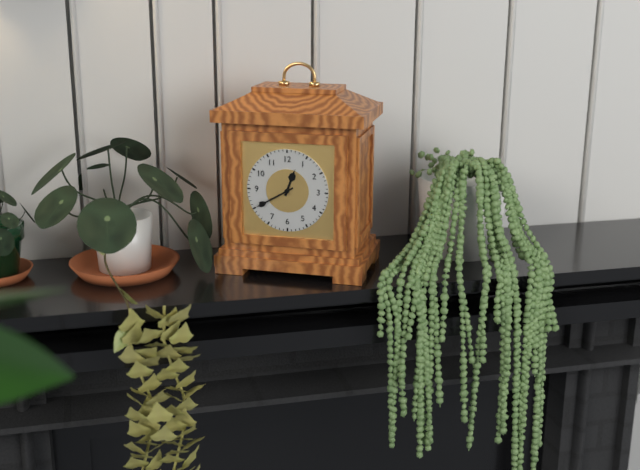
**12:40**
